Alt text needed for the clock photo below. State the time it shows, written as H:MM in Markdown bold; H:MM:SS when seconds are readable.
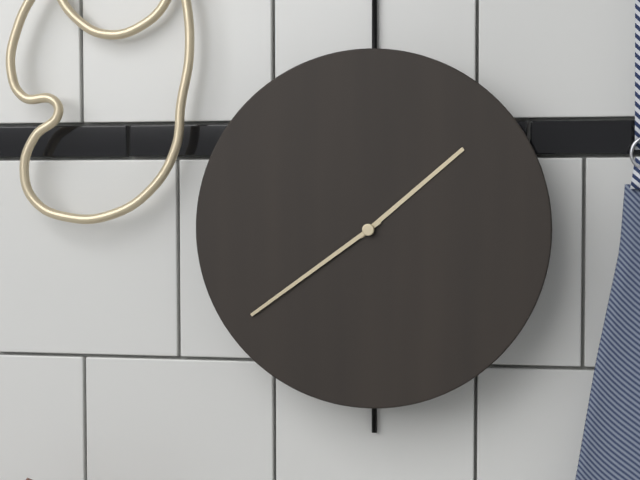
**1:39**
